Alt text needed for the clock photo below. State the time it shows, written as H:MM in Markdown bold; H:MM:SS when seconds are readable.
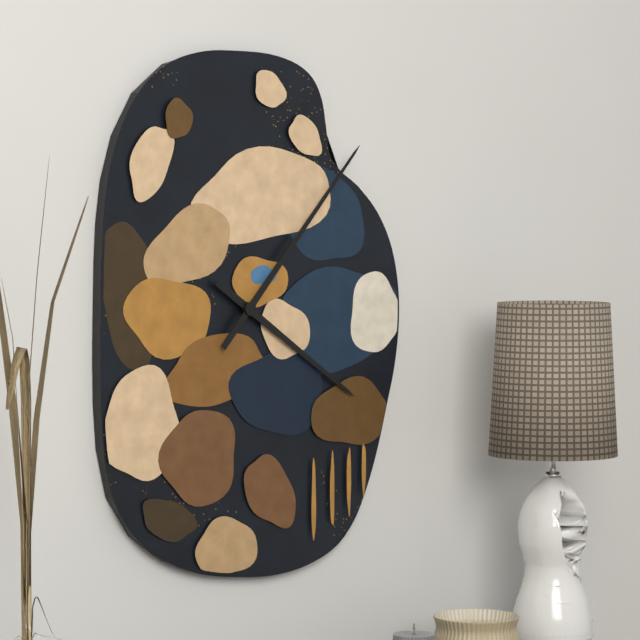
**4:07**
